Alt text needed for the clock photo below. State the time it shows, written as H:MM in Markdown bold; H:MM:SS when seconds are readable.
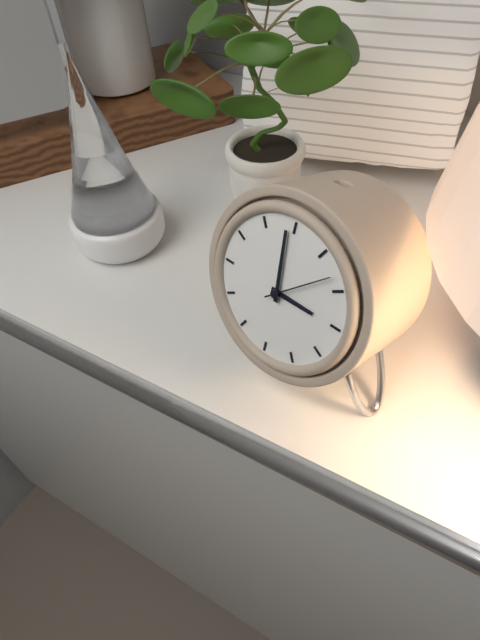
**2:59:08**
